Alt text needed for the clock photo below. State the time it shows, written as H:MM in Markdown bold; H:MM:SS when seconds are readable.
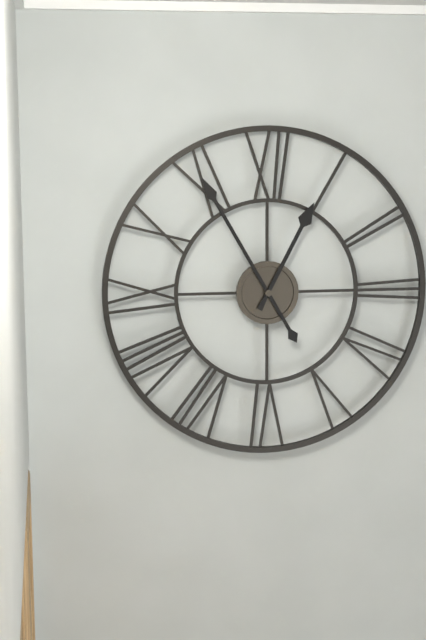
**12:55**
